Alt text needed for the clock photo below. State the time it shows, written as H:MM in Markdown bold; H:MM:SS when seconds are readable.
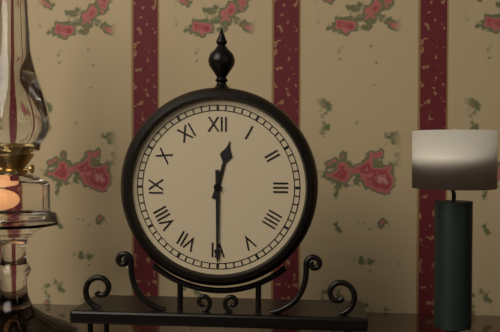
**12:30**
